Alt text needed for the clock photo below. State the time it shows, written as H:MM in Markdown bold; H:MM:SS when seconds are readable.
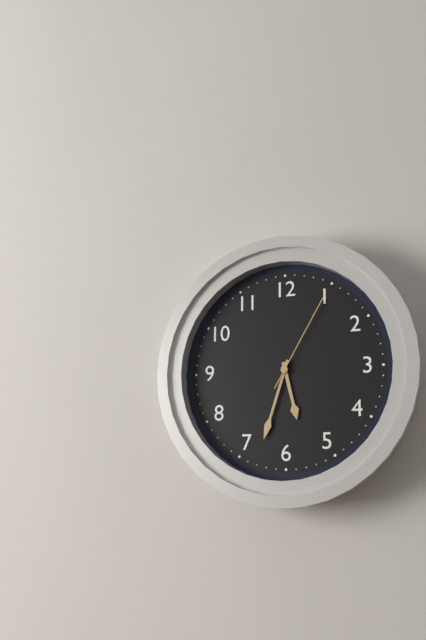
**5:33:05**
